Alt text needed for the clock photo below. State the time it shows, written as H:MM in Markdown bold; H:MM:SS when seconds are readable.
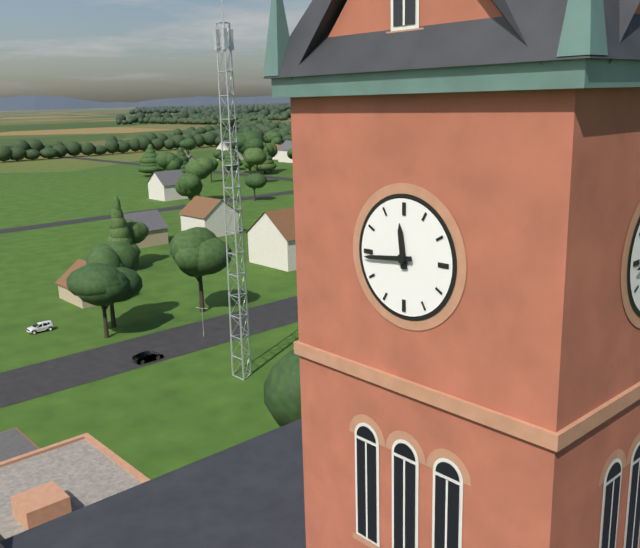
**11:44**
